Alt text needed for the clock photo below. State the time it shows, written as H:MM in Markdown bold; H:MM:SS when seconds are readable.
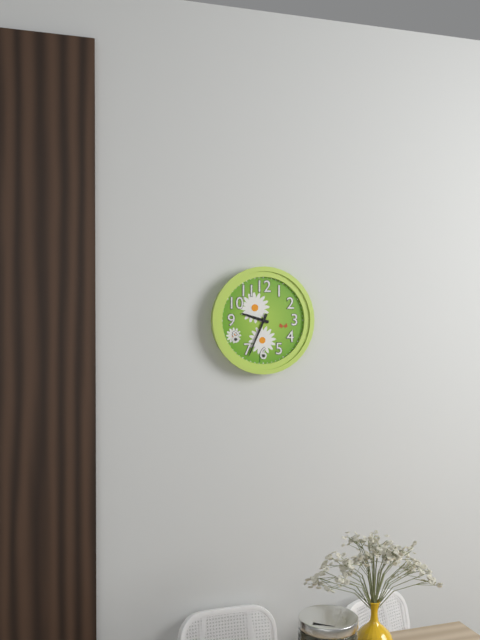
**9:34**
